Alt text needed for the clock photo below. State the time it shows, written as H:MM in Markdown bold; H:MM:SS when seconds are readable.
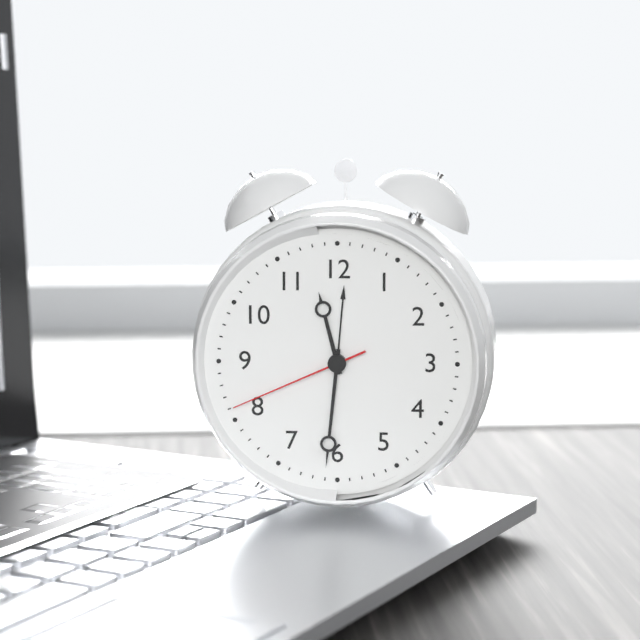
**11:31:41**
